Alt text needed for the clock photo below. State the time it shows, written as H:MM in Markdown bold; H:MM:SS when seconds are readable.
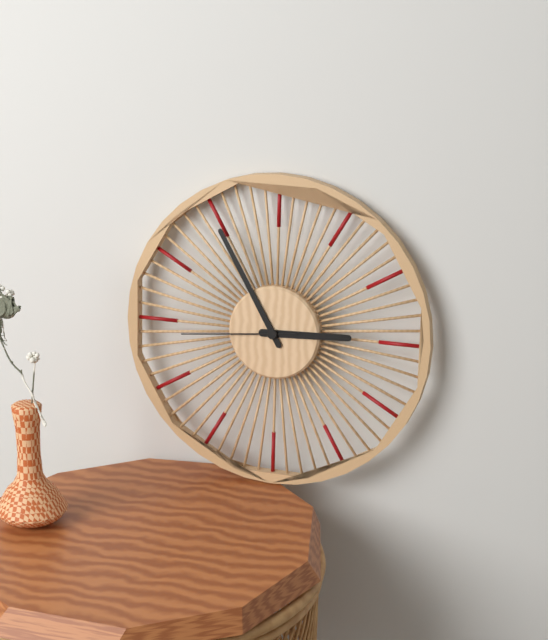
**2:55:44**
